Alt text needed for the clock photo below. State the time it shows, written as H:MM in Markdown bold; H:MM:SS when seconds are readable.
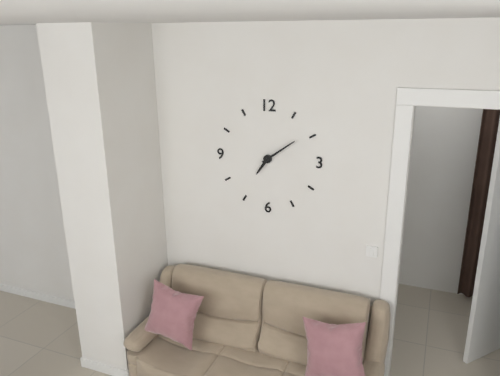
**7:09**
